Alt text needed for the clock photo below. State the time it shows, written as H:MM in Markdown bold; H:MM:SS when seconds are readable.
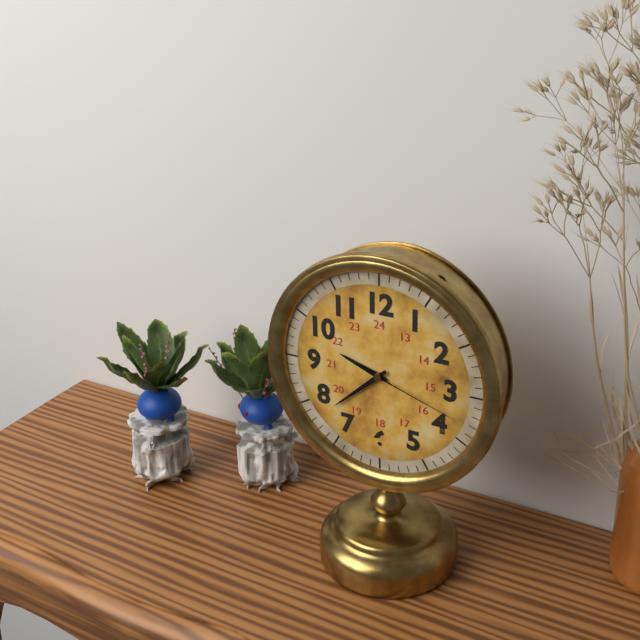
**9:38:18**
